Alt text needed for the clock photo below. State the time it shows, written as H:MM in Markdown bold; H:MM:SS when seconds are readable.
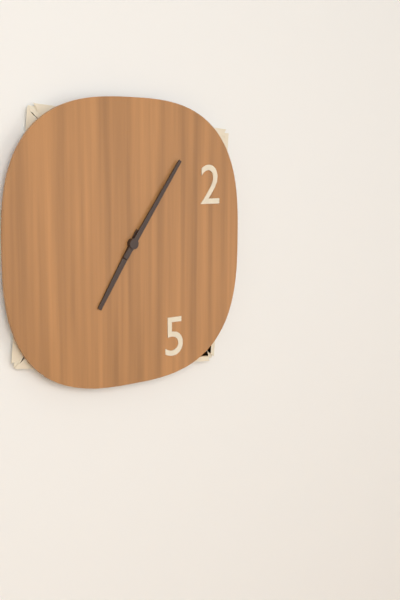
**7:06**
